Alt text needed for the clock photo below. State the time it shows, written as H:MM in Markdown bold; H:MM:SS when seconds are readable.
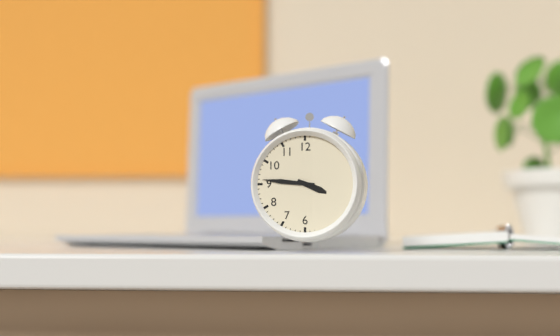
**3:46**
